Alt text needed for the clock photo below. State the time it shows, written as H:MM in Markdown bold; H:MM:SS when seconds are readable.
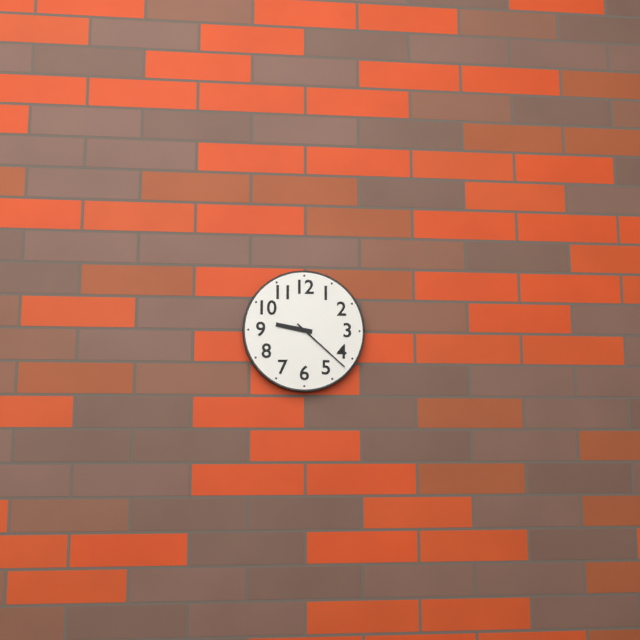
**9:22**
